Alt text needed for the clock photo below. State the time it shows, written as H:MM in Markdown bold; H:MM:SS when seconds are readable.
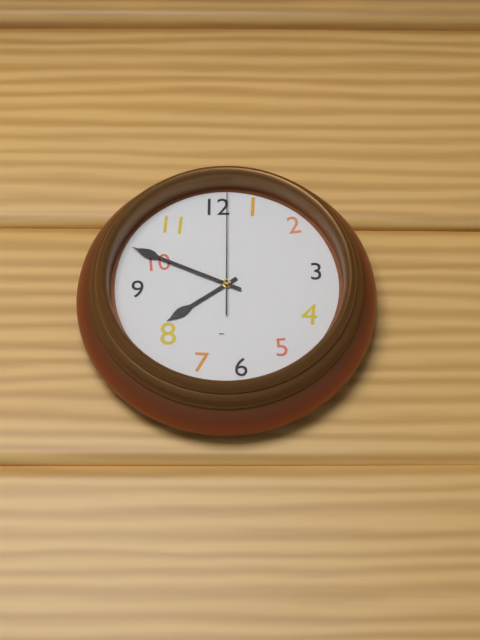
**7:49:00**
